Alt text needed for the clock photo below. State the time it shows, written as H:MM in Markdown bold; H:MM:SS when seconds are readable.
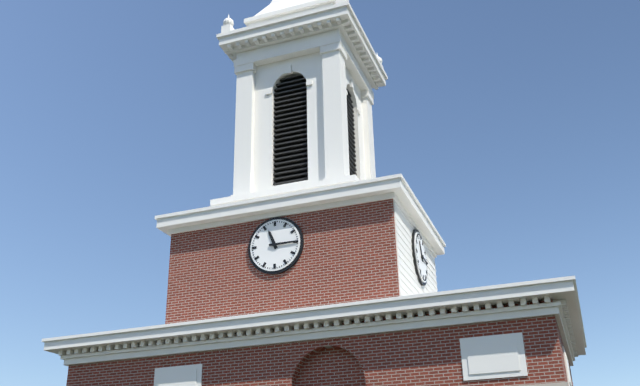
**11:15**
